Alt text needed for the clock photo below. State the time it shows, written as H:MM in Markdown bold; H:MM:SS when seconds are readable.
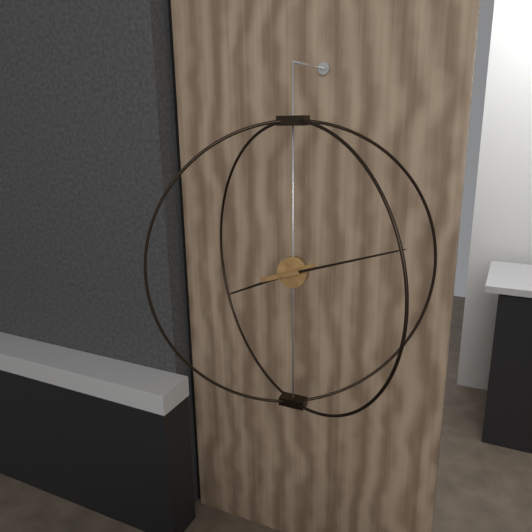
**8:12**
